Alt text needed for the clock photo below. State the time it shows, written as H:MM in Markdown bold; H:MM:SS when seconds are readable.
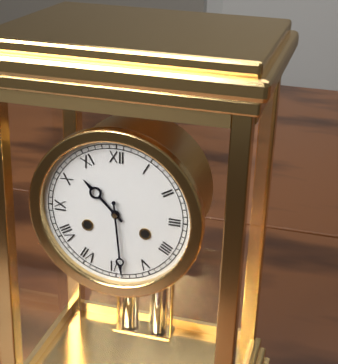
**10:29**
